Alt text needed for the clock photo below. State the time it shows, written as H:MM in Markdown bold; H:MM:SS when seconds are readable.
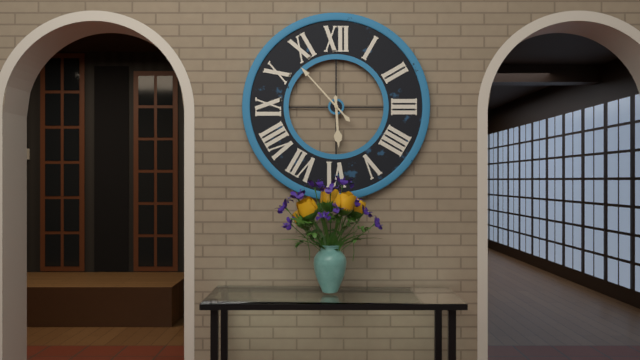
**5:53**
